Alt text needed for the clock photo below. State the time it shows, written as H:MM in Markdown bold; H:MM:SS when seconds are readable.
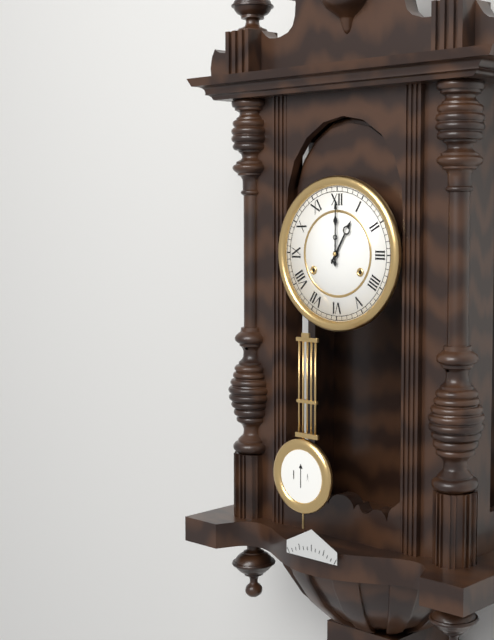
**1:00**
